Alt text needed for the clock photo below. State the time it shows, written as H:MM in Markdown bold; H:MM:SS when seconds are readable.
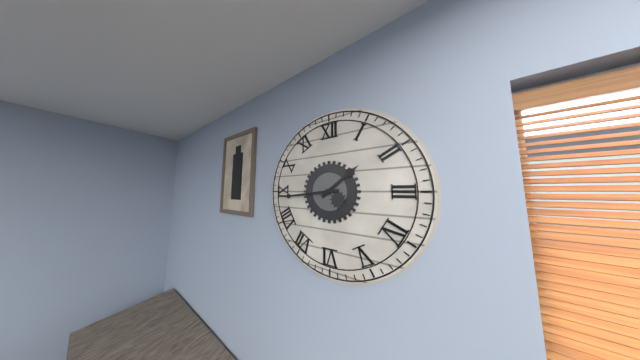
**1:44**
